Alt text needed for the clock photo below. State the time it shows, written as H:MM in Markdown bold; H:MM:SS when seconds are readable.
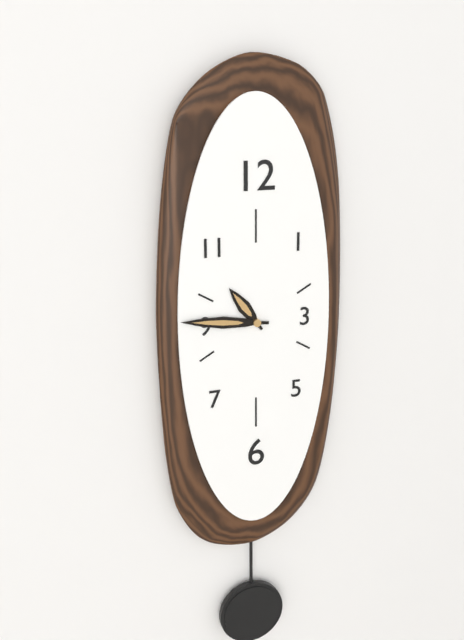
**10:46**
